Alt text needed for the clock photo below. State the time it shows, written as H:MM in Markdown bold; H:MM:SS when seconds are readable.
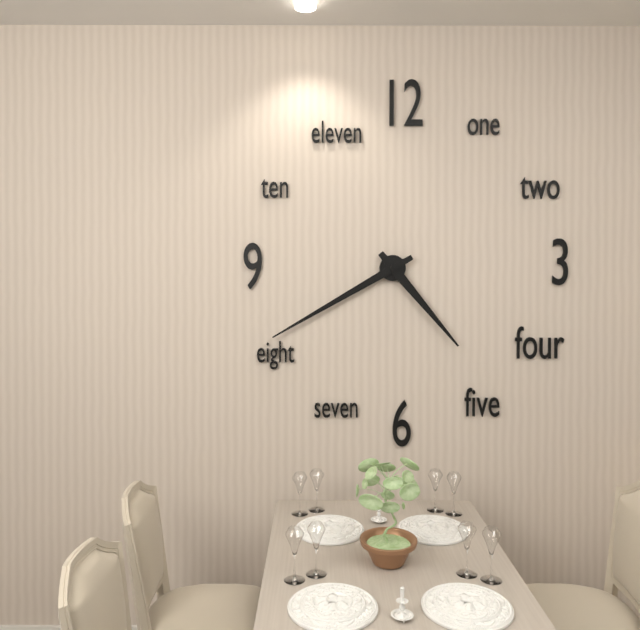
**4:40**
